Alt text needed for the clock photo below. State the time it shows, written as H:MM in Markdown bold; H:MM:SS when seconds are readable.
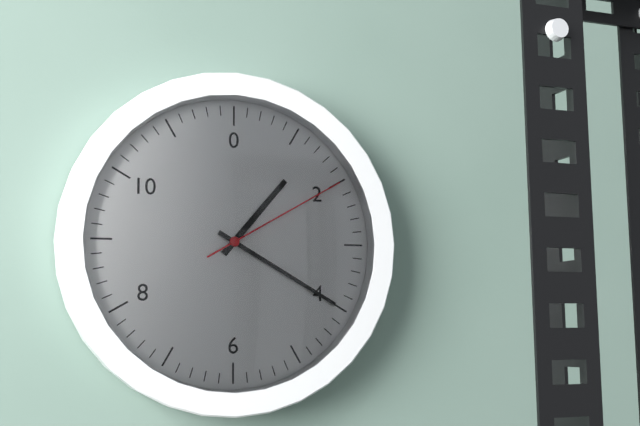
**1:20:10**
